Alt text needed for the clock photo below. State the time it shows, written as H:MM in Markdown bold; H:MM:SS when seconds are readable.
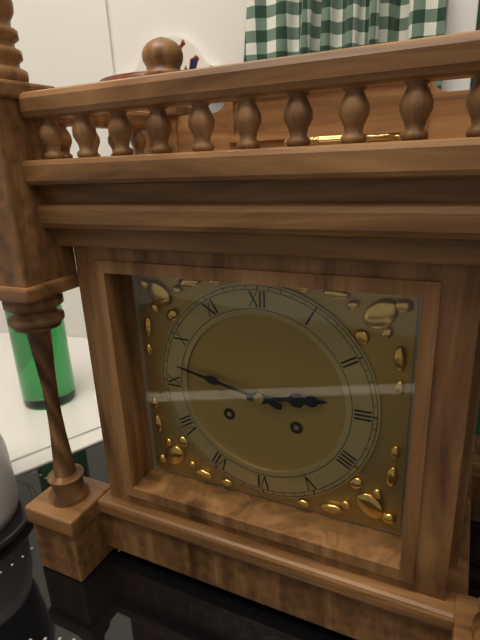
**2:47**
